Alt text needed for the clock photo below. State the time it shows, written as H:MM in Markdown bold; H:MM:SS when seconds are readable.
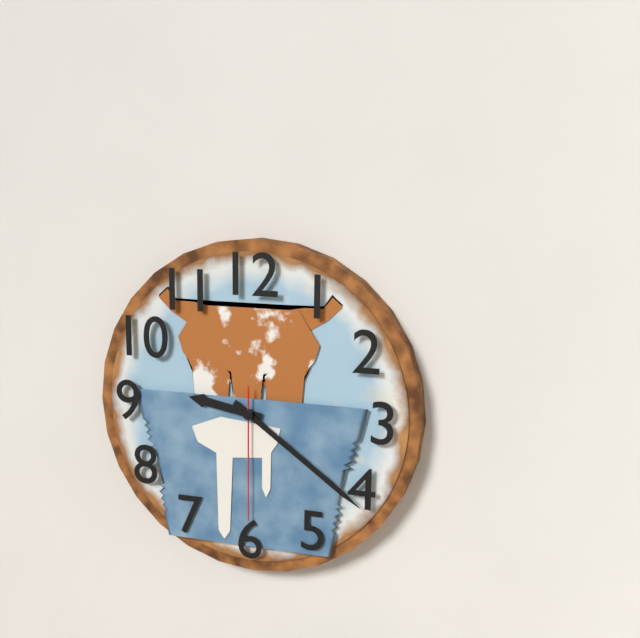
**9:21:30**
